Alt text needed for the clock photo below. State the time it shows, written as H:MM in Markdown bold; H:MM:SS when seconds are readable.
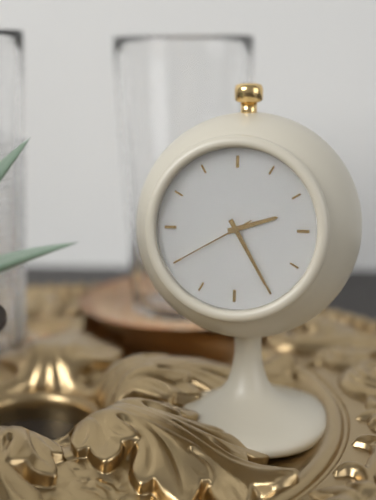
**2:25:40**
